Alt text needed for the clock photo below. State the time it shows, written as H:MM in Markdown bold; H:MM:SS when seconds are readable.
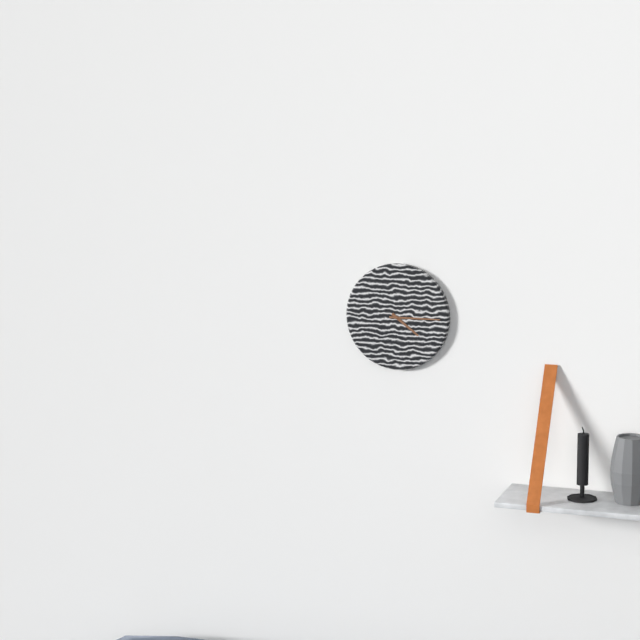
**4:15**
